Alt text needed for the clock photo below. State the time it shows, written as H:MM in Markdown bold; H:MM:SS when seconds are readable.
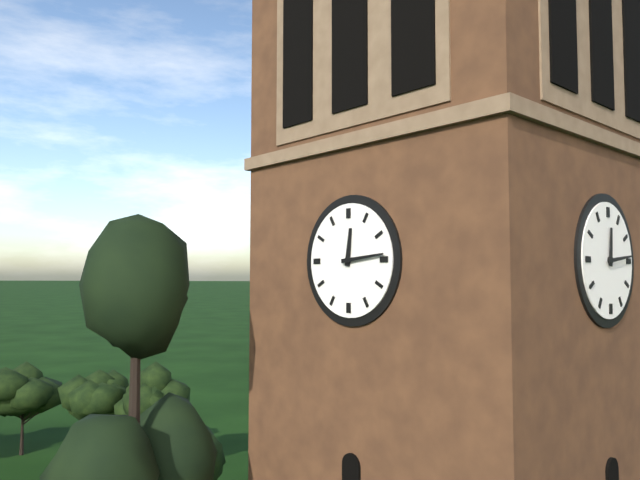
**12:14**
